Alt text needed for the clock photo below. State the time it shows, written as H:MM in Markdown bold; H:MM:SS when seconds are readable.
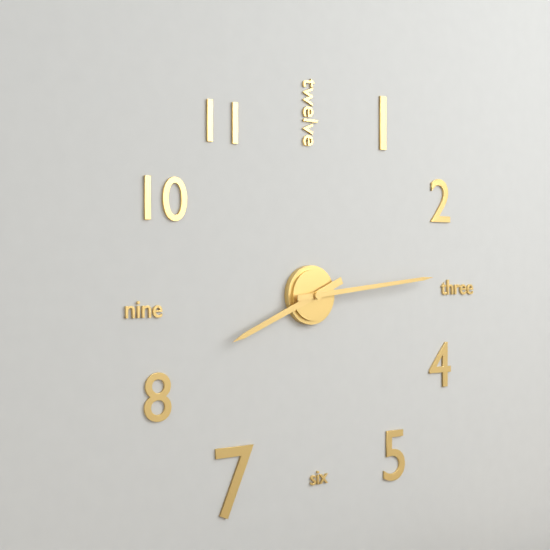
**8:14**
